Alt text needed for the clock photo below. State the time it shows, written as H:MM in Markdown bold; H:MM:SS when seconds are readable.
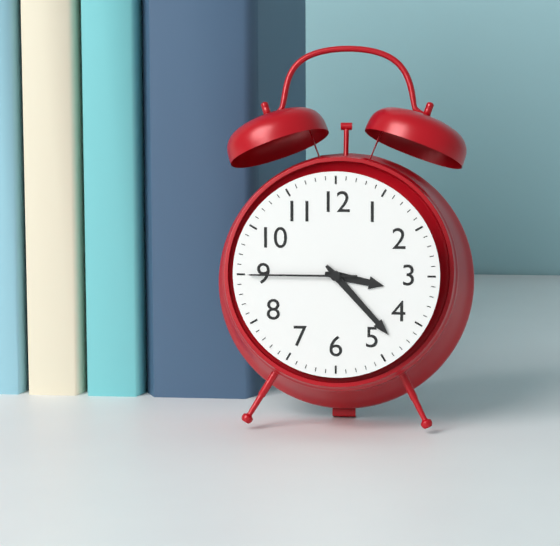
**3:23:45**
